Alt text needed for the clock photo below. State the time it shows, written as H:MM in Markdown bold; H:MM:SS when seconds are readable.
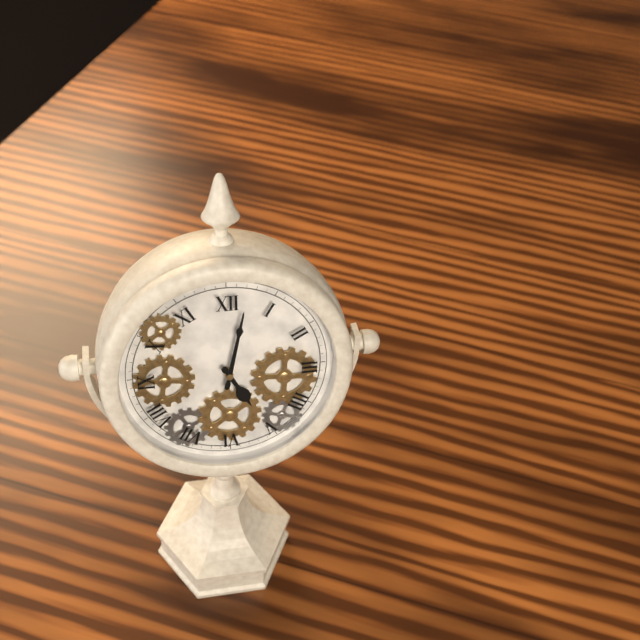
**5:02**
